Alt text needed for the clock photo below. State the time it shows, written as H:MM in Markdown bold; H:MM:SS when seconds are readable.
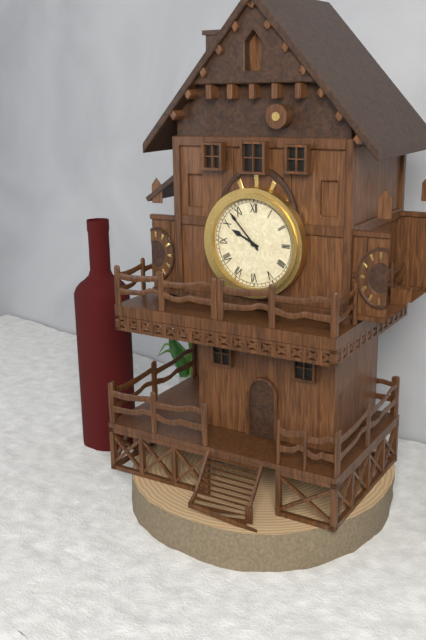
**9:53**
